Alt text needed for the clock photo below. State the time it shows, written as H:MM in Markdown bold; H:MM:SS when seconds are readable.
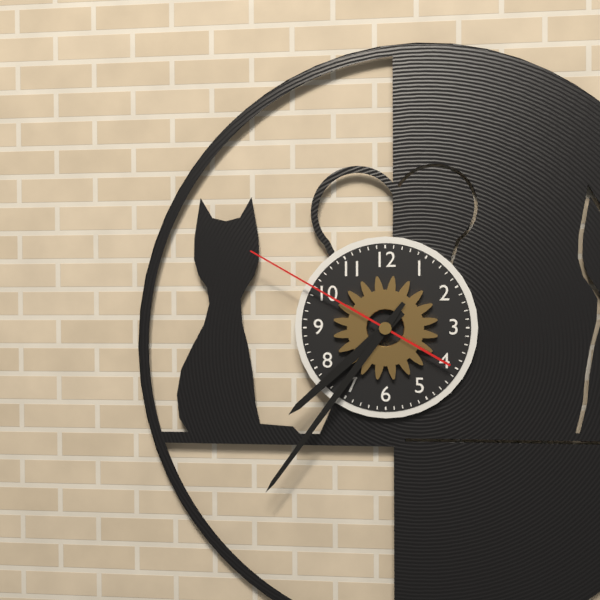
**7:36:50**
